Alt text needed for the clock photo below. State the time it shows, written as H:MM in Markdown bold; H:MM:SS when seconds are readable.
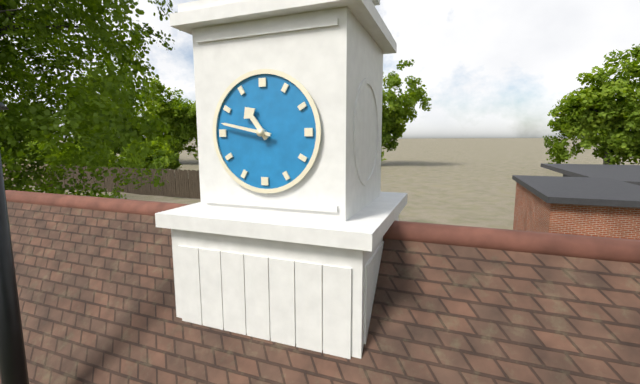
**10:47**
